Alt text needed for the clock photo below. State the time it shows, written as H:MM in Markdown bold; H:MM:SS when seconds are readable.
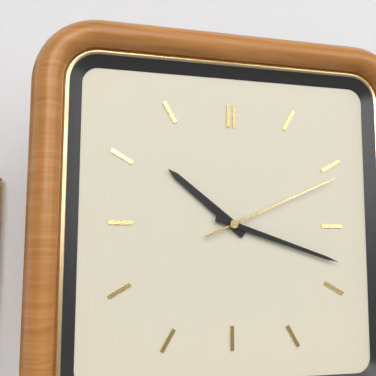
**10:18:11**
